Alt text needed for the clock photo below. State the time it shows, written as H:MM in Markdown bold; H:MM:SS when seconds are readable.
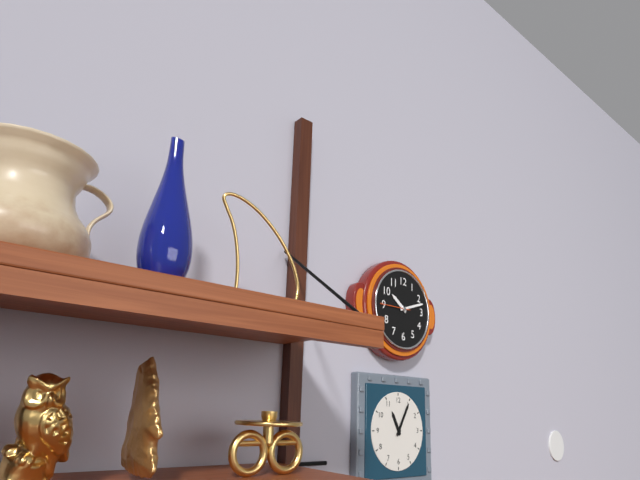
**10:12**
